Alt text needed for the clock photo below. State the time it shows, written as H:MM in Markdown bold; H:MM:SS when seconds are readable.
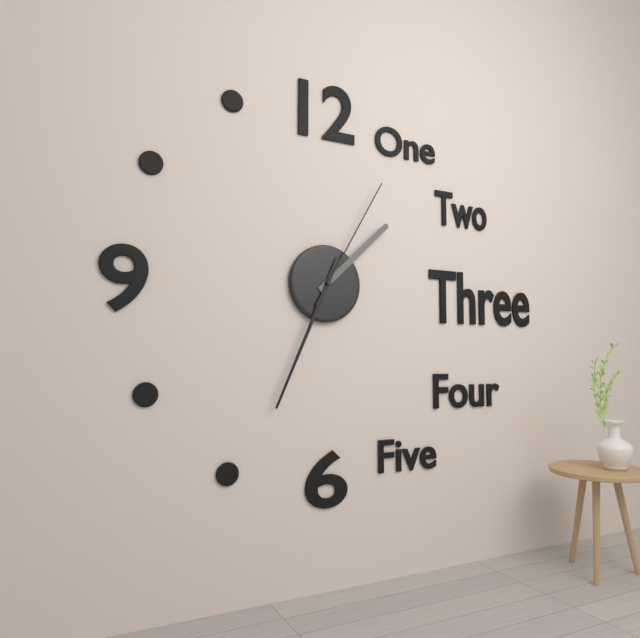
**1:34:05**
